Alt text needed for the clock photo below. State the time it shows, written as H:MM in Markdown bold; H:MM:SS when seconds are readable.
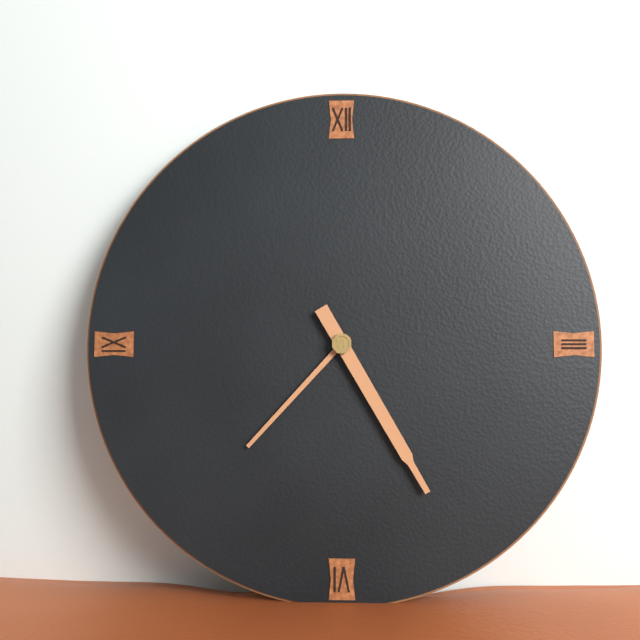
**7:25**
